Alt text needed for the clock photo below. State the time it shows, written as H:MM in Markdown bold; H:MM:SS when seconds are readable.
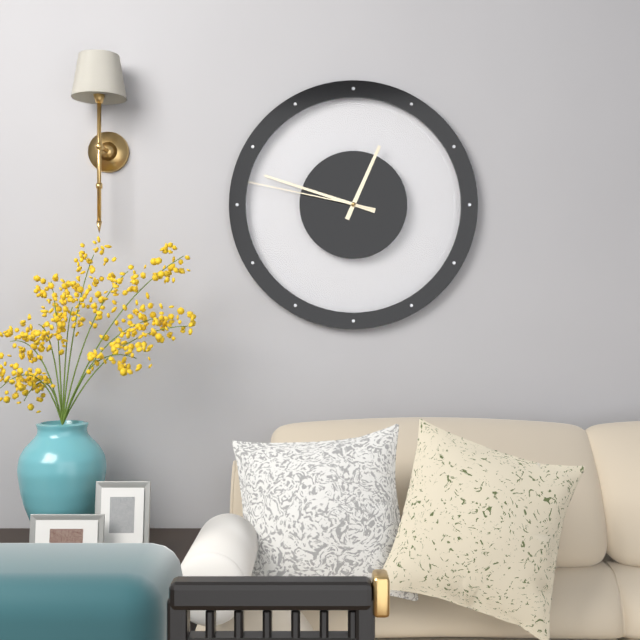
**12:48:47**
